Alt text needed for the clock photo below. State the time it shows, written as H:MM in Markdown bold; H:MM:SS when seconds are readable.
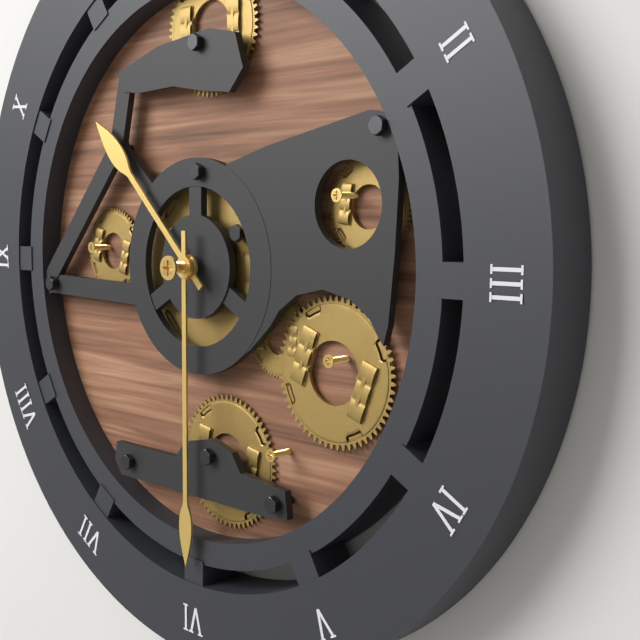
**10:30**
